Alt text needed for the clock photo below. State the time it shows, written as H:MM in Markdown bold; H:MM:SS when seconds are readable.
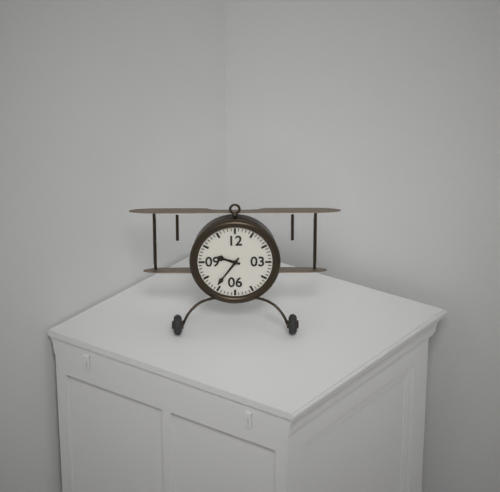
**9:36**
